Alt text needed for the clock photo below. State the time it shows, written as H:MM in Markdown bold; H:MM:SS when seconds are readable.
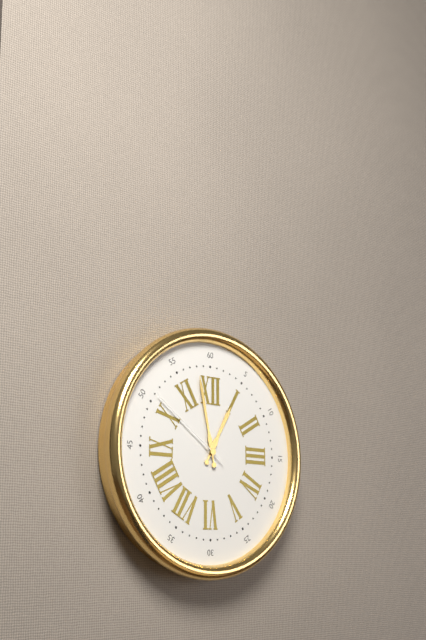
**12:58:51**
